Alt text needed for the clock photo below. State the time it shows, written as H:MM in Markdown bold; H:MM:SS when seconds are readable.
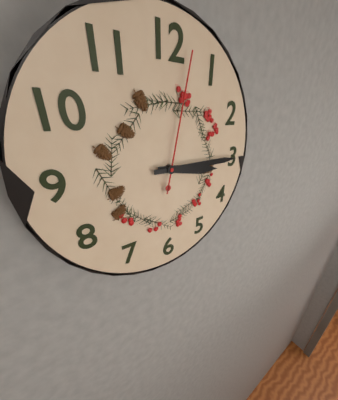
**3:15:02**
